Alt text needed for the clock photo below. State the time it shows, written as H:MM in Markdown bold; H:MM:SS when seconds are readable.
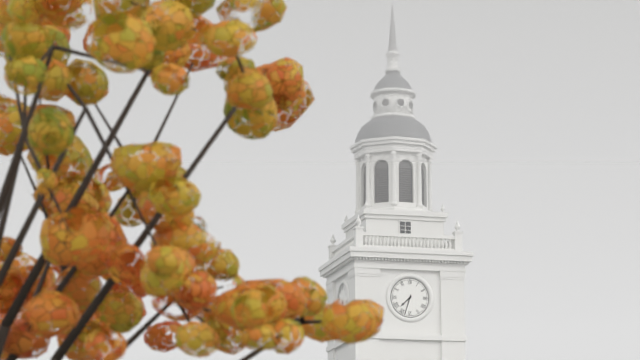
**7:33**
